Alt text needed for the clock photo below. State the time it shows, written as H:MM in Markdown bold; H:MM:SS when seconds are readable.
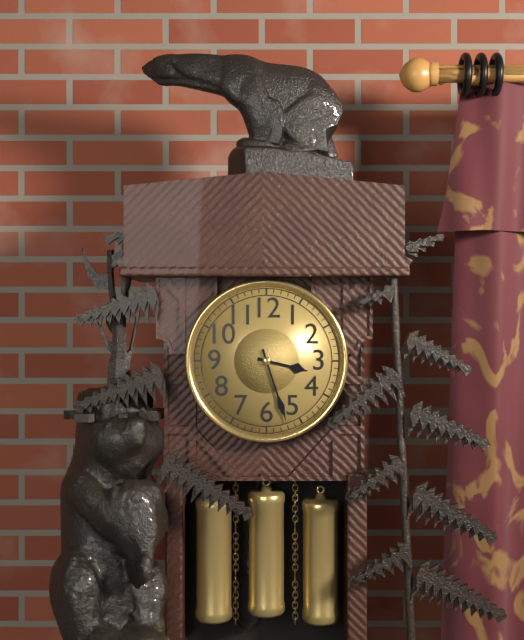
**3:27**
